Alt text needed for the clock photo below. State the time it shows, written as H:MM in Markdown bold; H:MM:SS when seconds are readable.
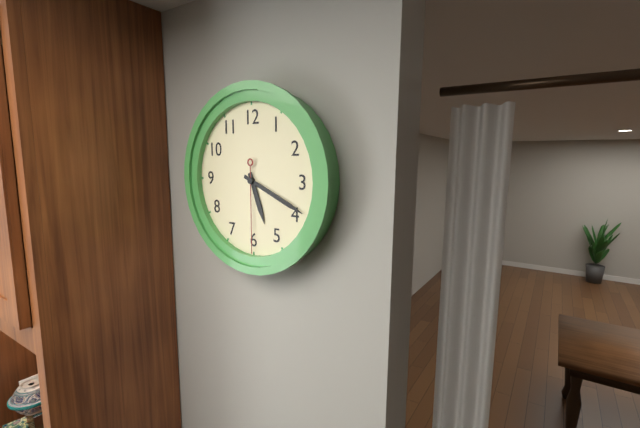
**5:19:30**
